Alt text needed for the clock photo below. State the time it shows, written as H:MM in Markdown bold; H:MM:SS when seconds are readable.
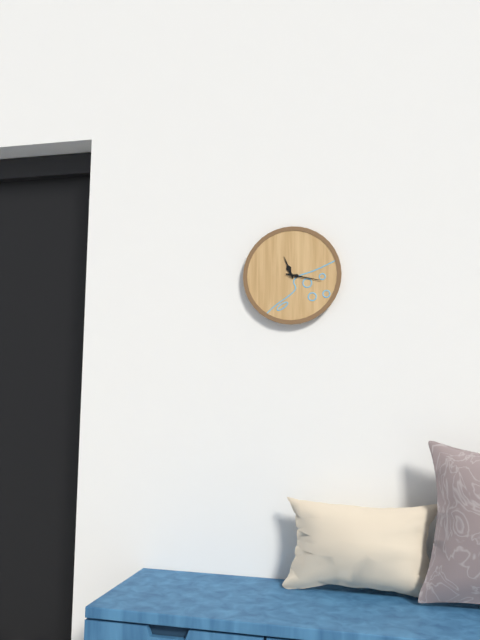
**11:17**
